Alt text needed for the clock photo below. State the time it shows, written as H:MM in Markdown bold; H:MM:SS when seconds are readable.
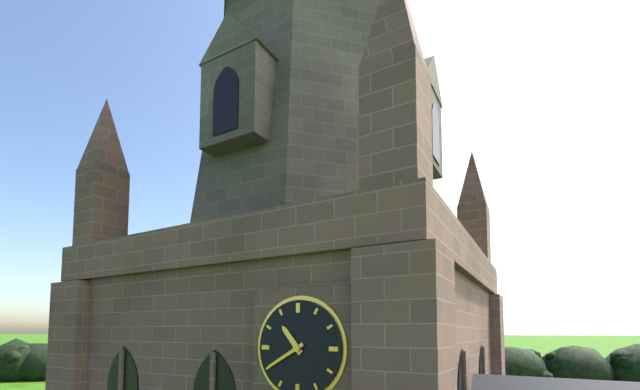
**10:40**
